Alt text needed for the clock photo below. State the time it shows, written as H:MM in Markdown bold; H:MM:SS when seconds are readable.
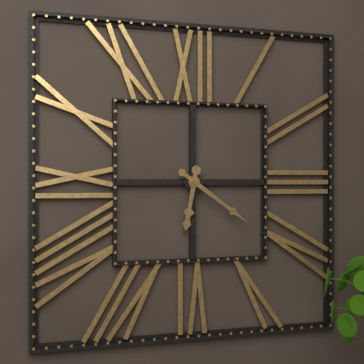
**6:21**
